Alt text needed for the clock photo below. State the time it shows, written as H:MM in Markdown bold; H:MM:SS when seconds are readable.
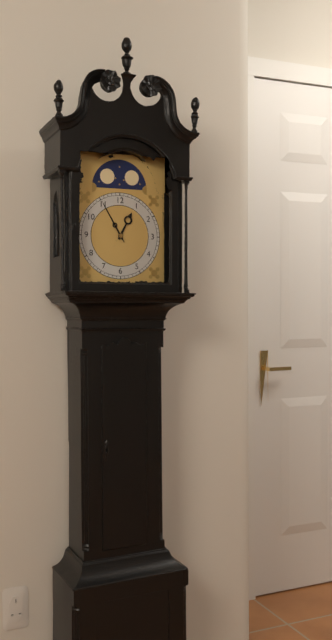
**12:55**
